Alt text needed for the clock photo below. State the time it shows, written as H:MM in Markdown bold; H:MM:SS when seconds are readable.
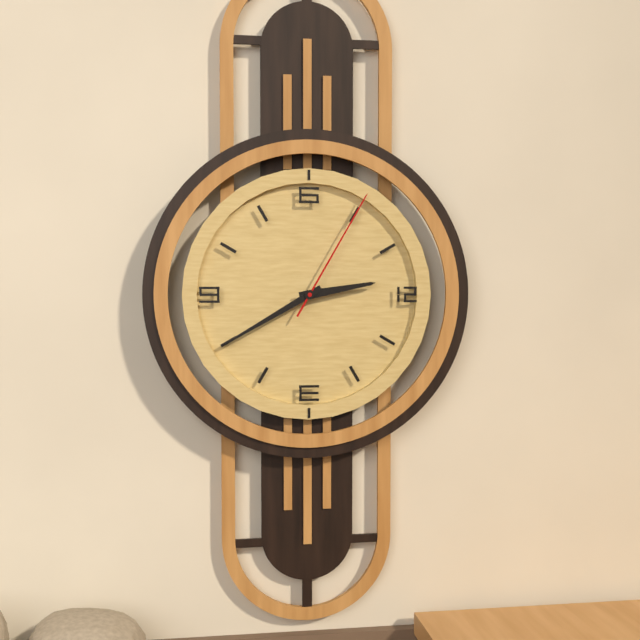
**2:40:05**
